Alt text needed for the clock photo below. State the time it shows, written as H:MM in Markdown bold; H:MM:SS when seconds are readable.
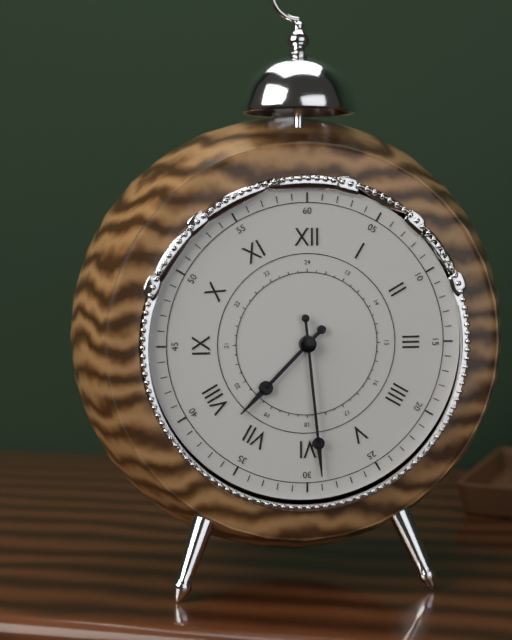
**7:29**
